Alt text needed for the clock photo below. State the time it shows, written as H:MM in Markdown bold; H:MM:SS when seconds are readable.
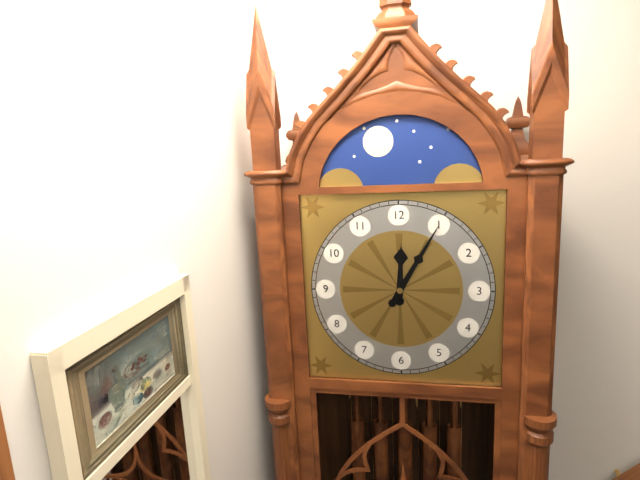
**12:05**
